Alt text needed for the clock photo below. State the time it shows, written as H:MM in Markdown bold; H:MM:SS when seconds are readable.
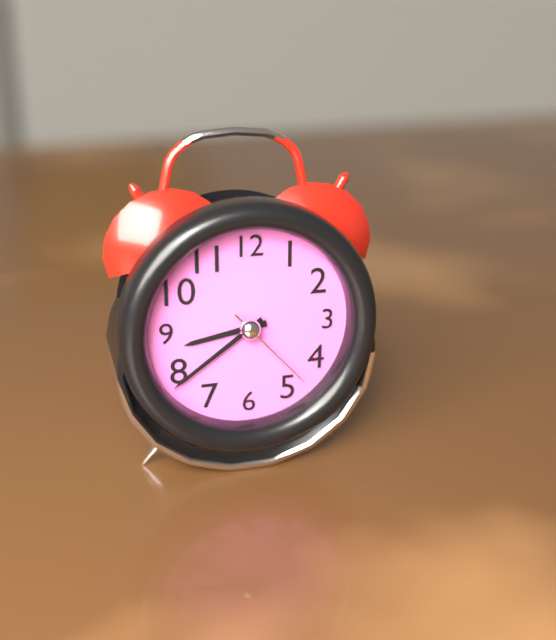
**8:39:23**
